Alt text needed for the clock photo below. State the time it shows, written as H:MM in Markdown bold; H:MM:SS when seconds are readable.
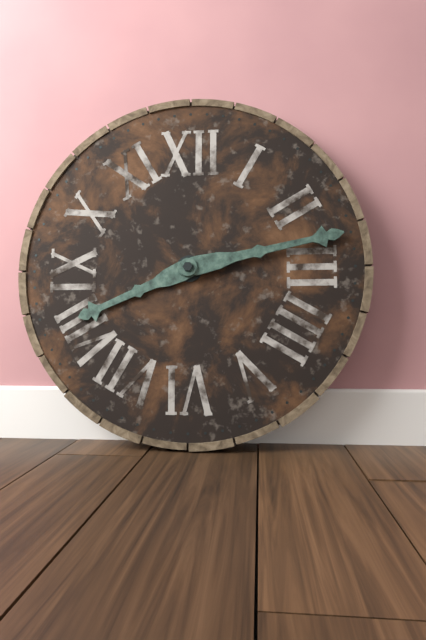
**8:13**
